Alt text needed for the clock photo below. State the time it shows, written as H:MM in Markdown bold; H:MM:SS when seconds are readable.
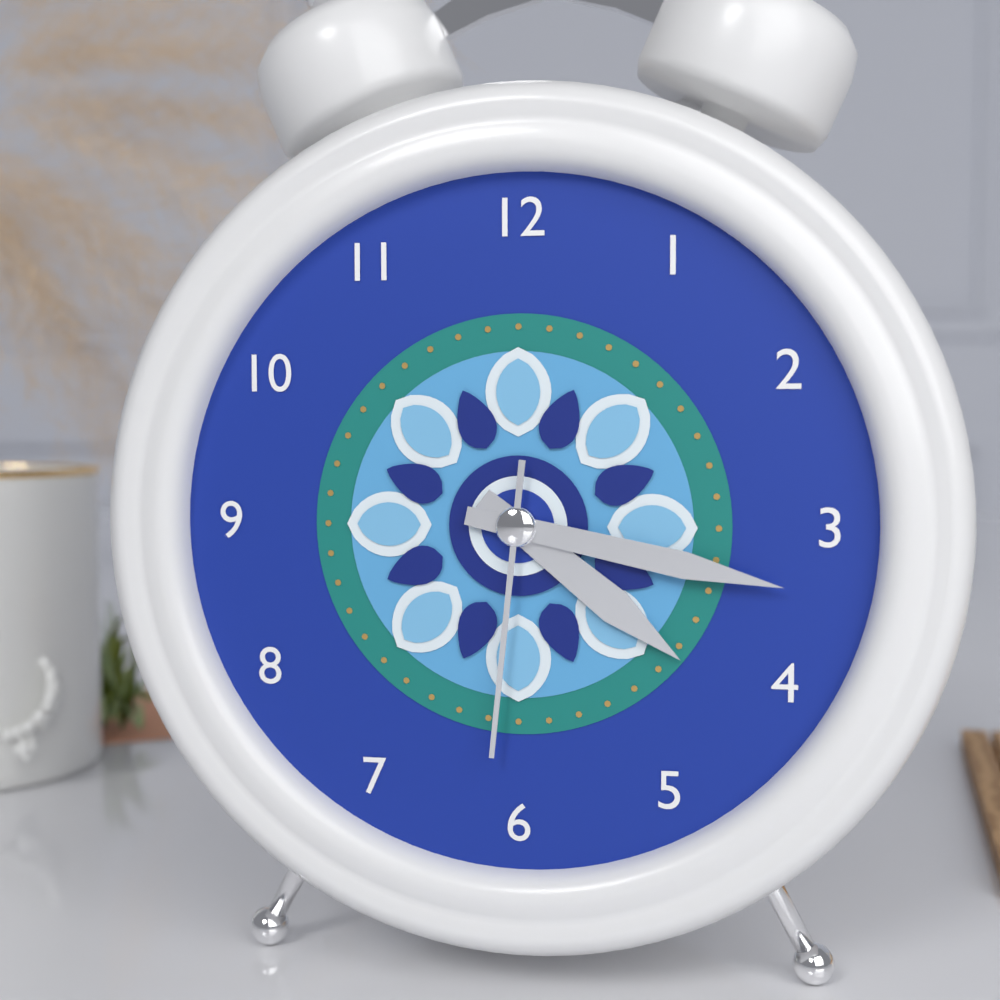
**4:17:31**
